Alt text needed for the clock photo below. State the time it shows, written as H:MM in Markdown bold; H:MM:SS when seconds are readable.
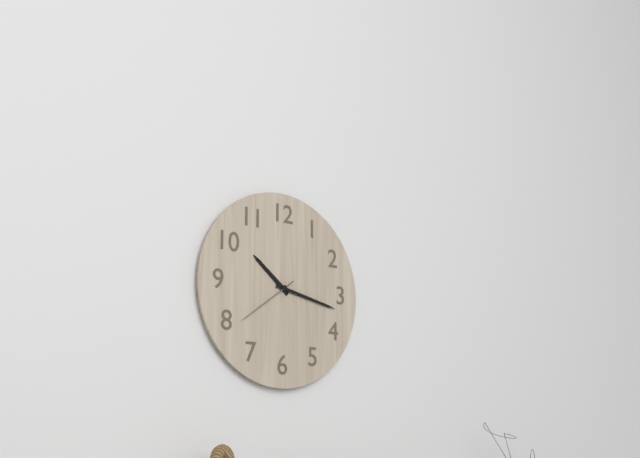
**10:17:39**
